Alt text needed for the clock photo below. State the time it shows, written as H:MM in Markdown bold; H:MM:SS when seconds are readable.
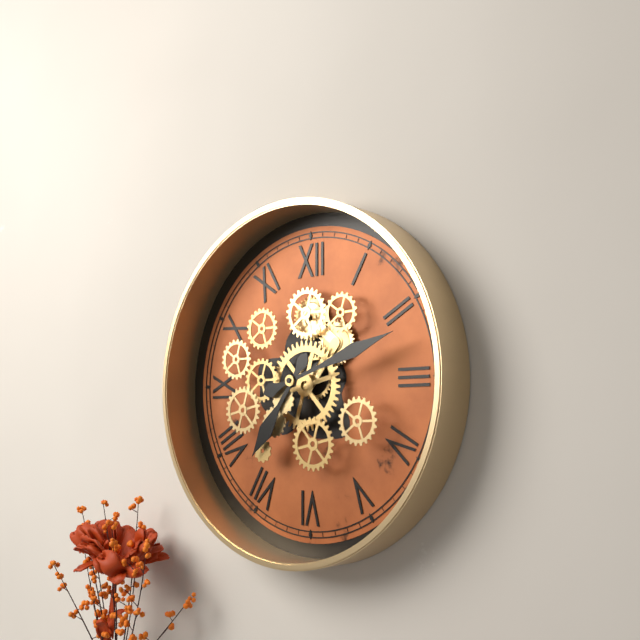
**7:12**
